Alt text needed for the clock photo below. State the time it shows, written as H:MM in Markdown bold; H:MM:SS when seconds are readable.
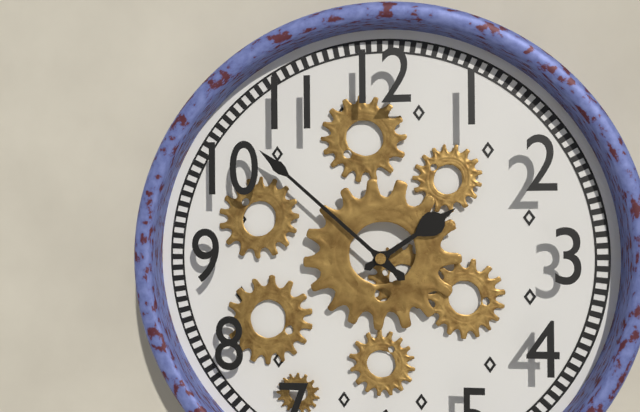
**1:52**
